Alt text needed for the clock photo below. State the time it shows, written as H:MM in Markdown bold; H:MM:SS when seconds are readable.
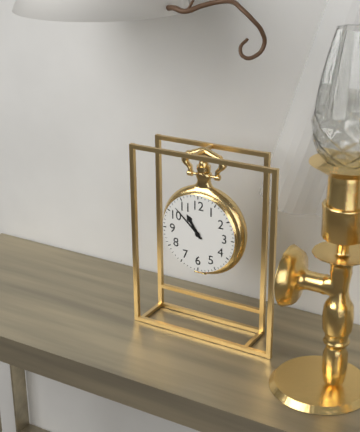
**10:52**
